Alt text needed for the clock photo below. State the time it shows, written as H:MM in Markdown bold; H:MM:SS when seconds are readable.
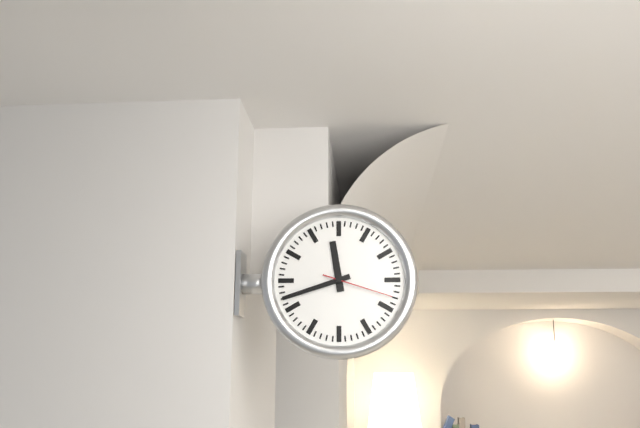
**11:42:18**
